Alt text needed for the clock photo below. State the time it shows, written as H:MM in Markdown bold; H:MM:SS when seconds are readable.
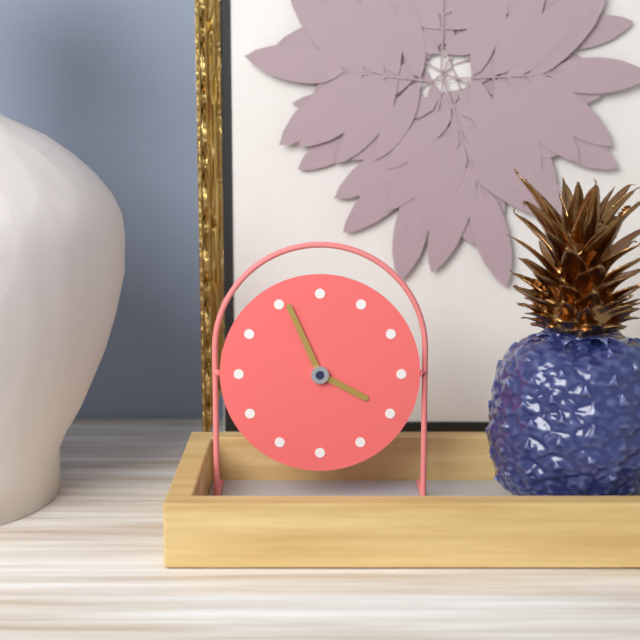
**3:56**
